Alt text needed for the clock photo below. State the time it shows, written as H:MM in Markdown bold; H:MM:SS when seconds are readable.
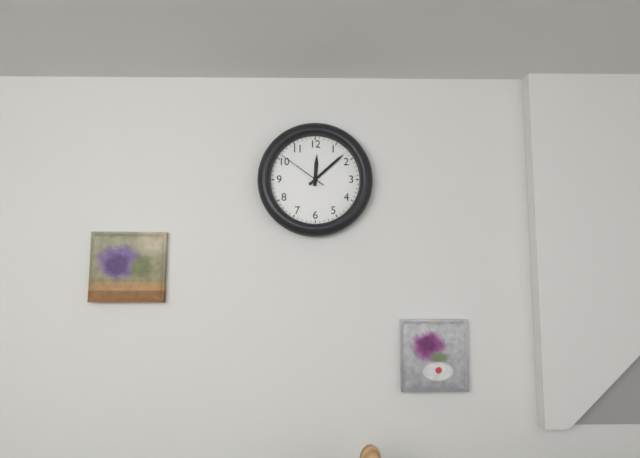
**12:08:51**
